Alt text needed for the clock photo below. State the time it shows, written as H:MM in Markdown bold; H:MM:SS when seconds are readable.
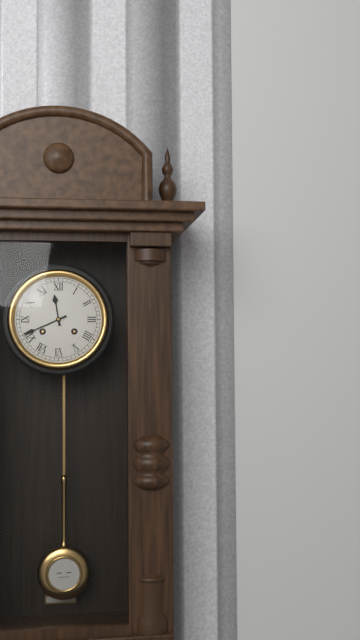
**11:41**
